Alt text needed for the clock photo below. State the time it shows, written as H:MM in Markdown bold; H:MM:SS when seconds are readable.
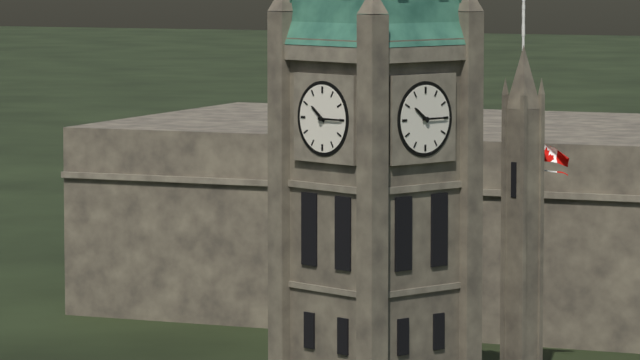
**10:15**
